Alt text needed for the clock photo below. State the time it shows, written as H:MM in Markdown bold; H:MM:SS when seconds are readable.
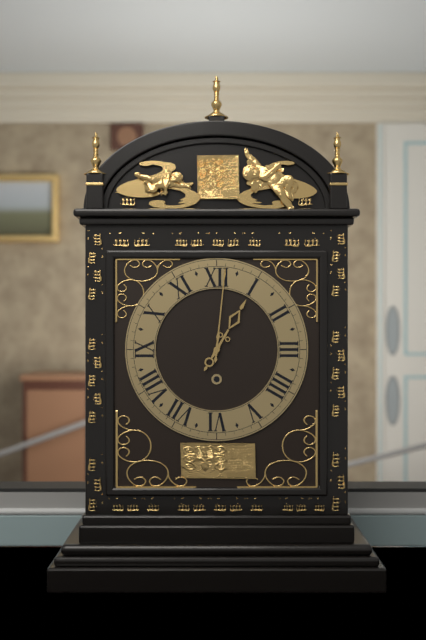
**1:01**
